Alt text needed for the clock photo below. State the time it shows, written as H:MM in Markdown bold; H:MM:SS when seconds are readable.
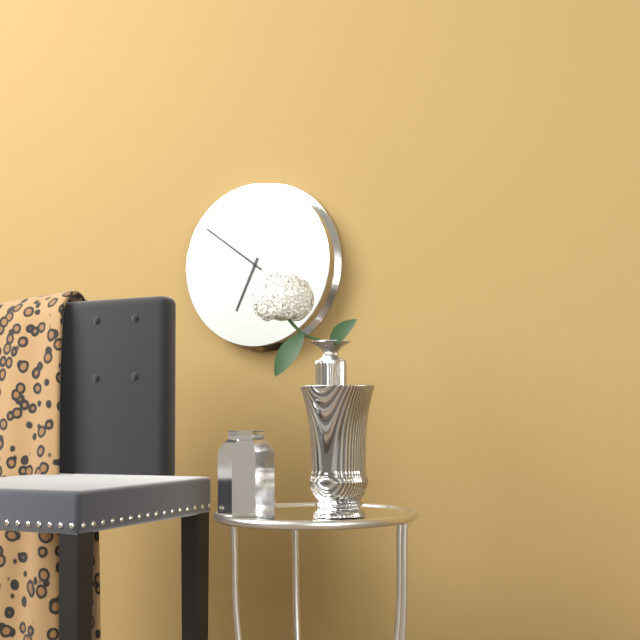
**6:51**
